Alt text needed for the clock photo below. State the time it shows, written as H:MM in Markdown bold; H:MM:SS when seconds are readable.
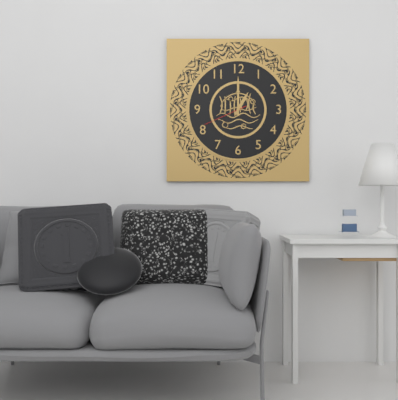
**1:00**
